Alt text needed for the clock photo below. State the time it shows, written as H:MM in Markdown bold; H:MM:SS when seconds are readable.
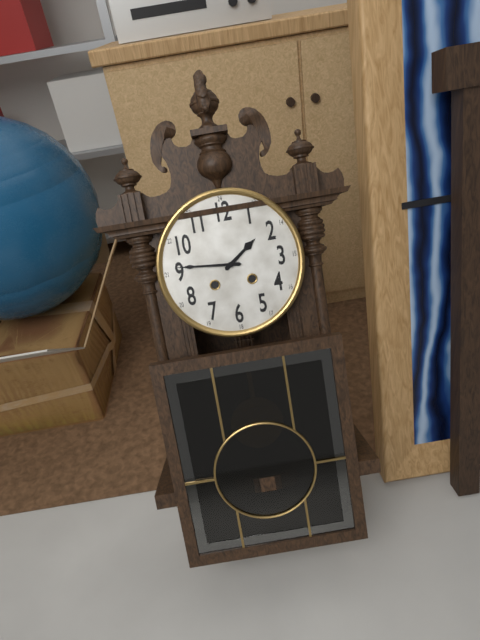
**1:46**
